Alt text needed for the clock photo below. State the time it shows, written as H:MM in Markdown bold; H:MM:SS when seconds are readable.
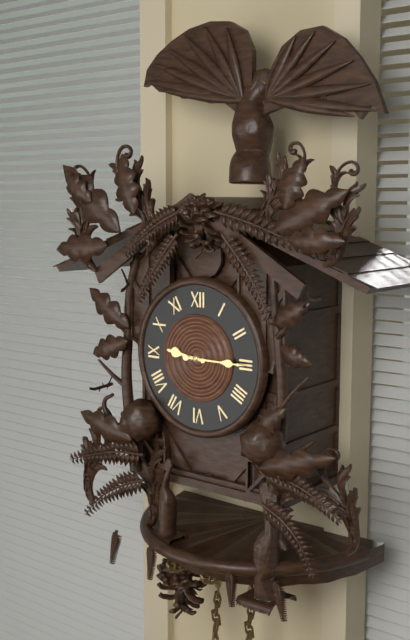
**9:15**
